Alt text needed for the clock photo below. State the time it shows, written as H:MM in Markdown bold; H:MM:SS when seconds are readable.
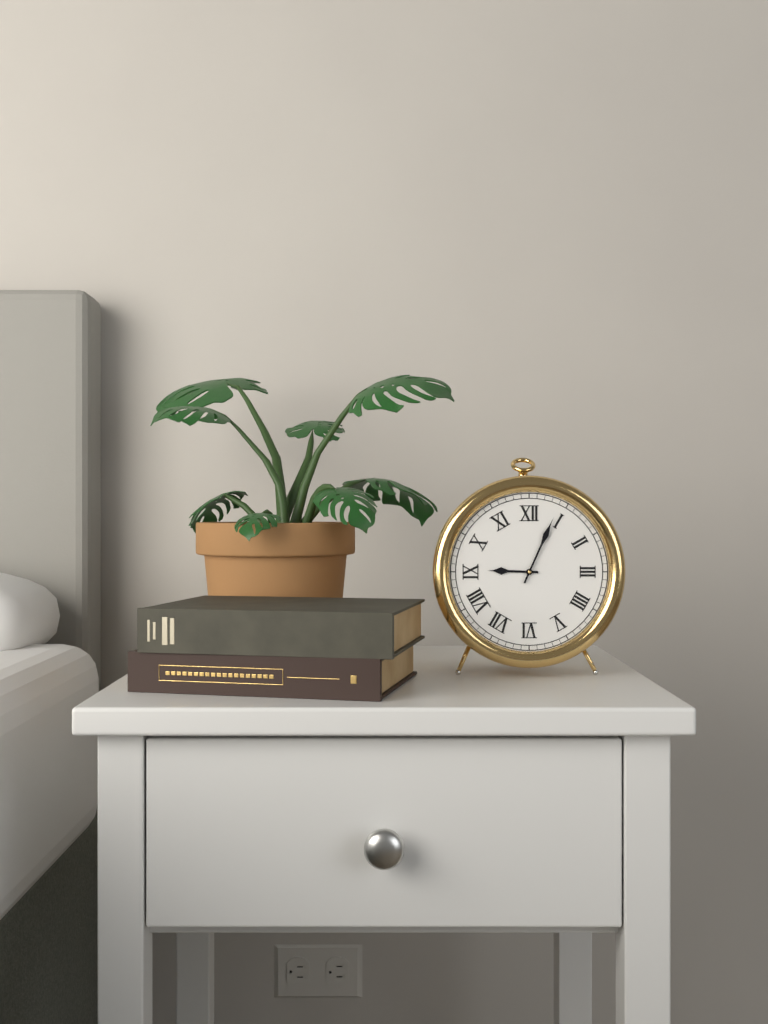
**9:04**
